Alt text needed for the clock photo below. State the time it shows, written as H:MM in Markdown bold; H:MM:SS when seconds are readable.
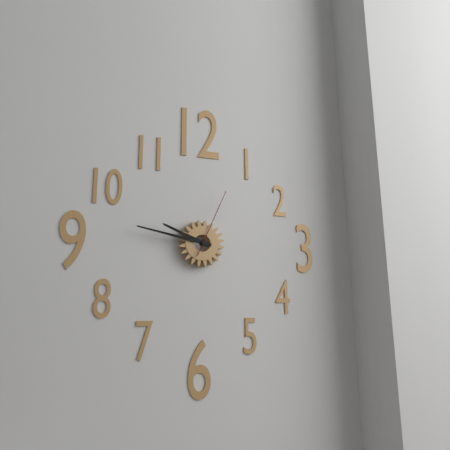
**9:47:04**
